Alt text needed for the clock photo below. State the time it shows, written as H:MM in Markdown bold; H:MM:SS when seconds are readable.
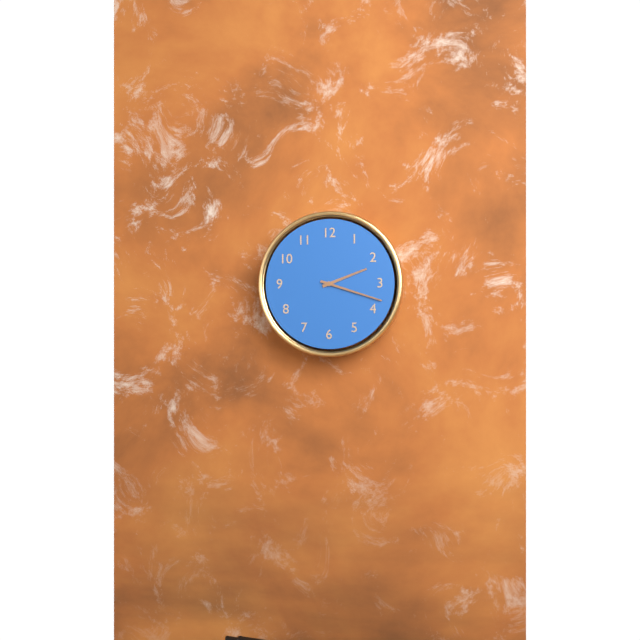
**2:18**
